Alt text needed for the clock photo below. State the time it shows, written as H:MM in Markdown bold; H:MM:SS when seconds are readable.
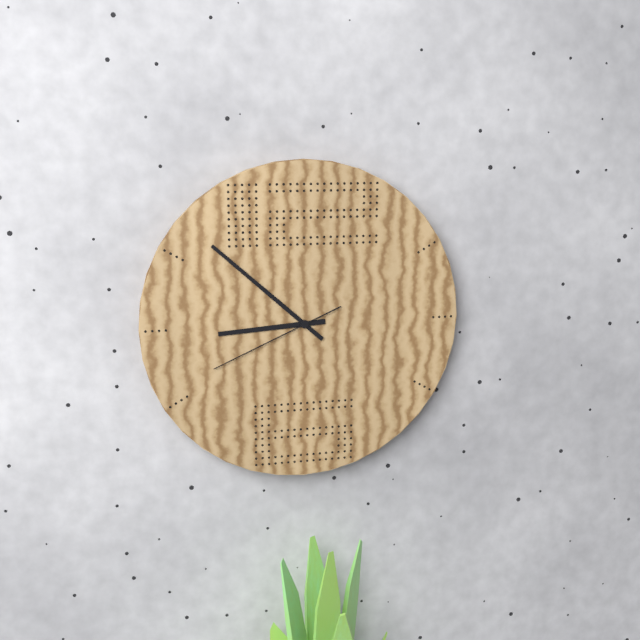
**8:52:41**
